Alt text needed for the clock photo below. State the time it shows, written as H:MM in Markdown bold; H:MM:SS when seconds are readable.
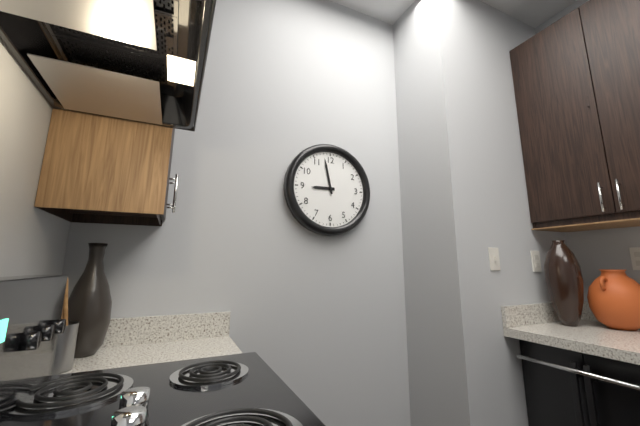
**8:58**
